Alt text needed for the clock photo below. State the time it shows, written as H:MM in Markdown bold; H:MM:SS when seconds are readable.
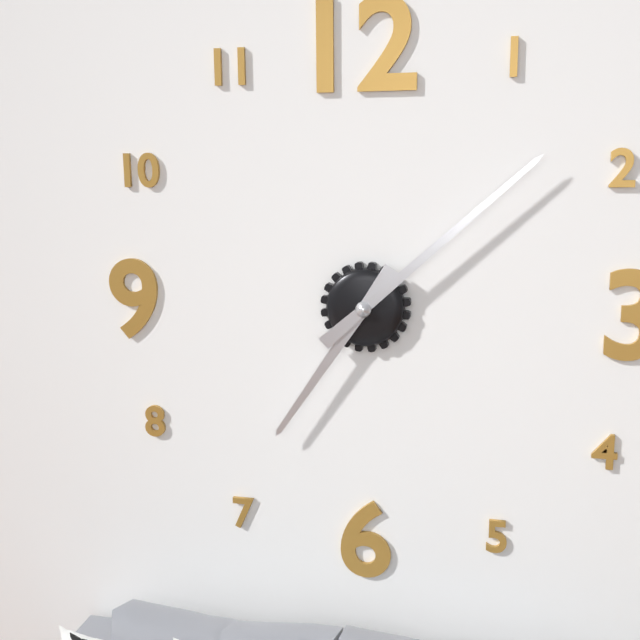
**7:08**
